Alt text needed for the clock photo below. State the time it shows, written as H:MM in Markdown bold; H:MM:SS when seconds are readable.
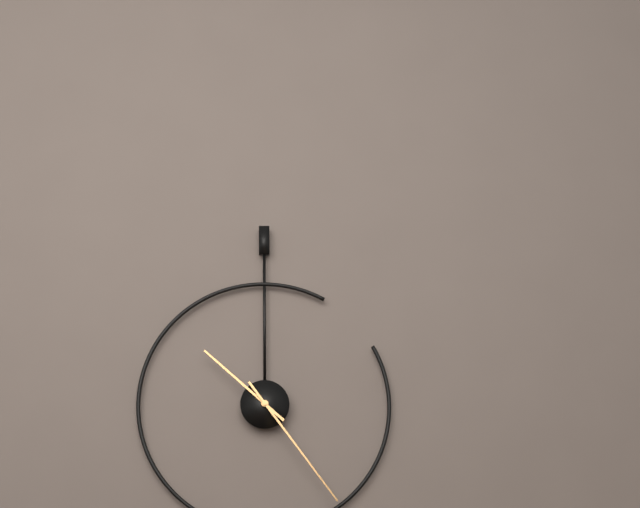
**10:24**
